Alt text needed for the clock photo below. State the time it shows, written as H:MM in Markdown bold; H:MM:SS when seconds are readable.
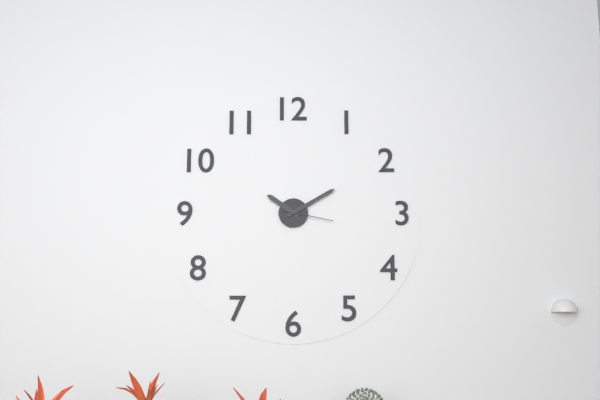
**10:10:17**
